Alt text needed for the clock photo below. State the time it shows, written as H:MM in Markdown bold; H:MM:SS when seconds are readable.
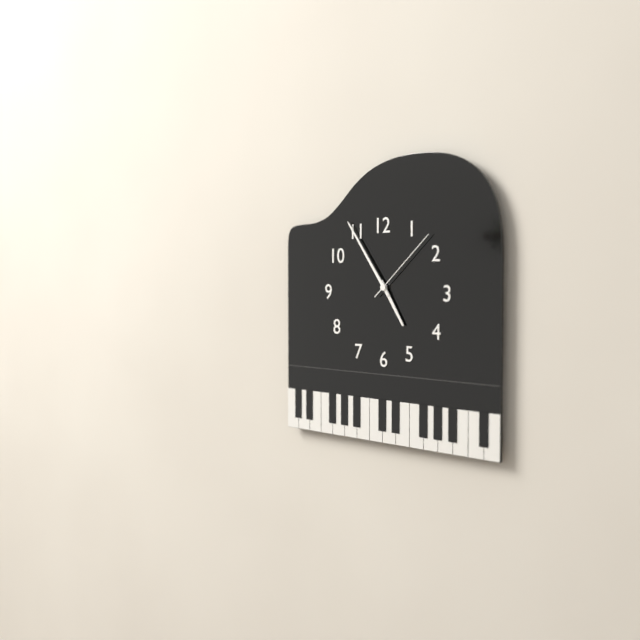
**4:54:08**
